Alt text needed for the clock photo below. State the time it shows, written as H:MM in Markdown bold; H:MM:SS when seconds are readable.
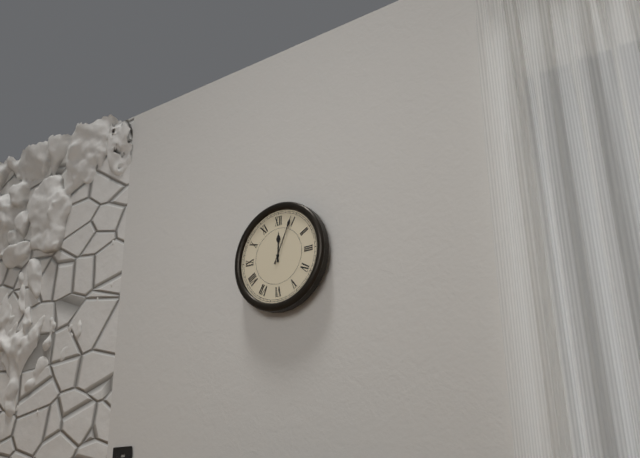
**12:04**
